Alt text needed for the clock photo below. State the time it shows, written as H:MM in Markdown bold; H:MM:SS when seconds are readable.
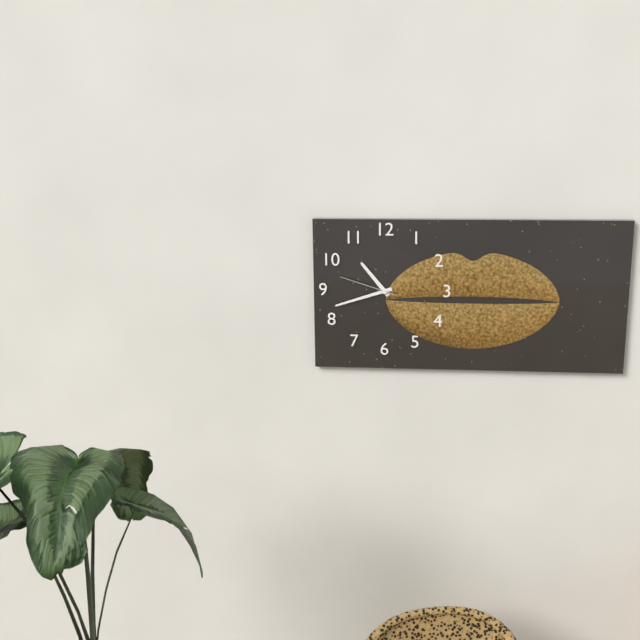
**10:42:48**
